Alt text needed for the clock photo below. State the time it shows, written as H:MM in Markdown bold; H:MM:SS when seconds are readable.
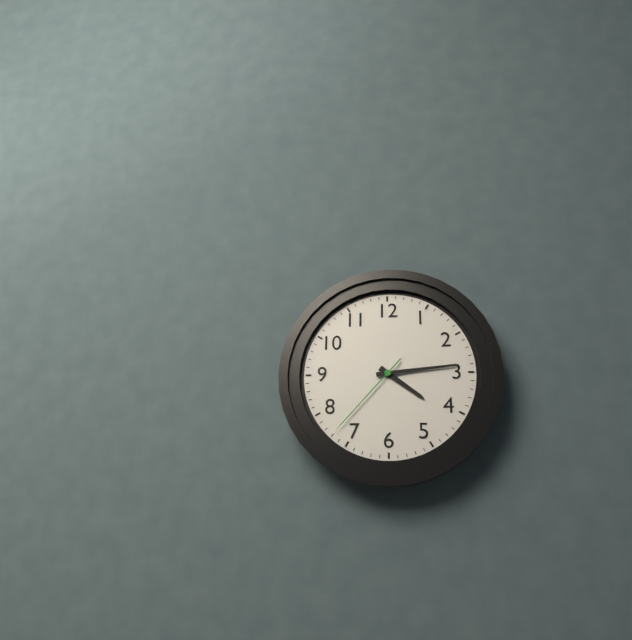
**4:14:37**
